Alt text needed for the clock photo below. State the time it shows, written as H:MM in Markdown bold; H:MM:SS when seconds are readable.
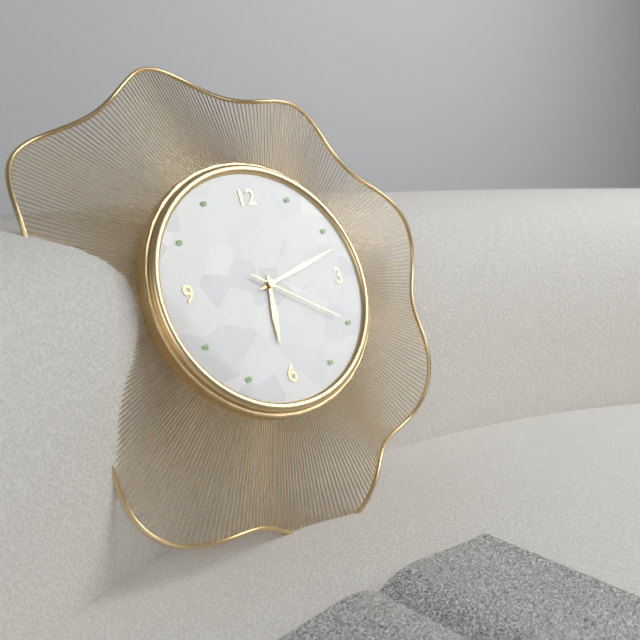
**6:12:20**
